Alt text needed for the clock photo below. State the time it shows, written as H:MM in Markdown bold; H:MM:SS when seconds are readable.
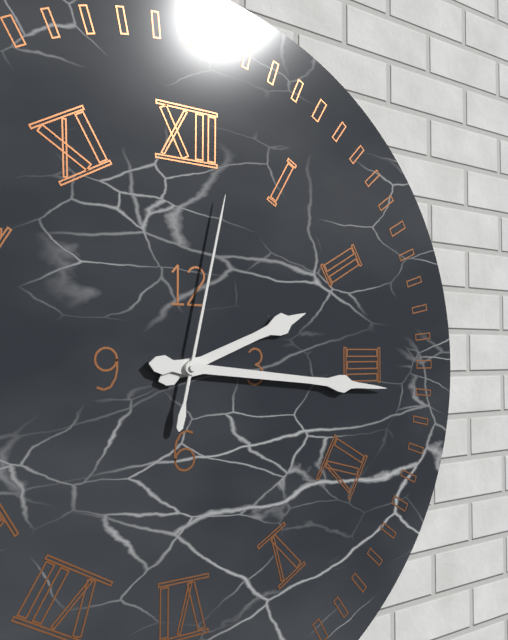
**2:16:02**
